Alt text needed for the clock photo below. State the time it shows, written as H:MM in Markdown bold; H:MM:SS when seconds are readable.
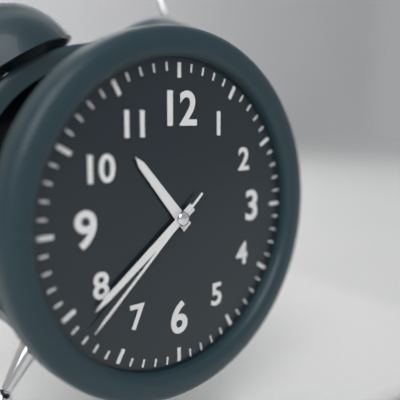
**10:39:38**
